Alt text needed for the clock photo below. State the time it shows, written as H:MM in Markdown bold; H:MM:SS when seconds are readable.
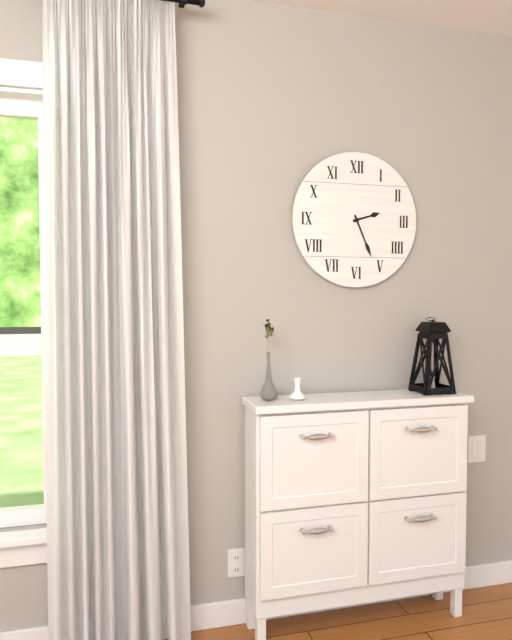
**2:26**
